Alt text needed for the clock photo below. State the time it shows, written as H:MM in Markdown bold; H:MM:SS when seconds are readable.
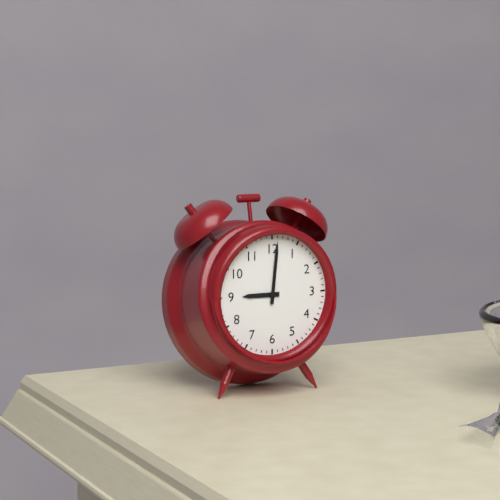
**9:01**
